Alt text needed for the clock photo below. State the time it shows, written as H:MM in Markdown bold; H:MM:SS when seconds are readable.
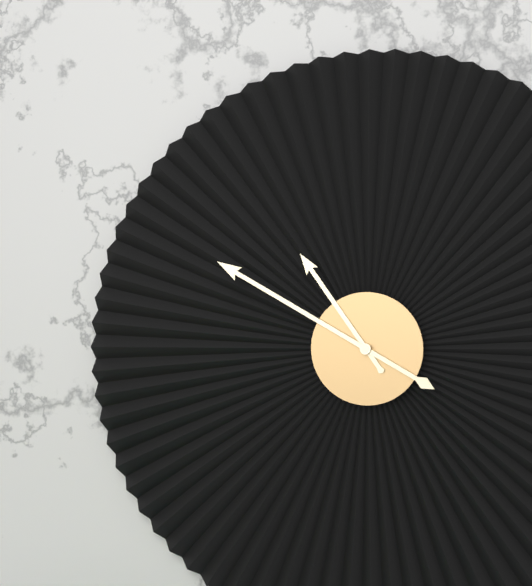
**10:50**
